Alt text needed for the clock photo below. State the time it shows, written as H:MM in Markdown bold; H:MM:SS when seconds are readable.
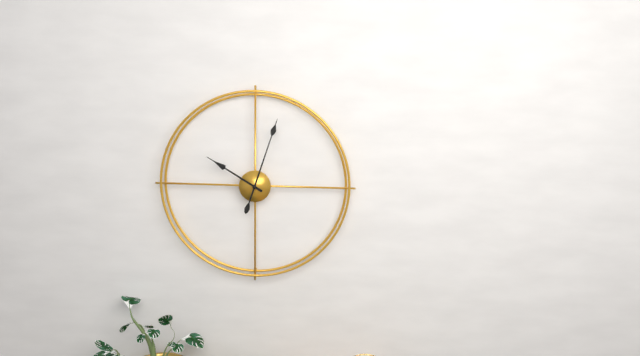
**10:03**
